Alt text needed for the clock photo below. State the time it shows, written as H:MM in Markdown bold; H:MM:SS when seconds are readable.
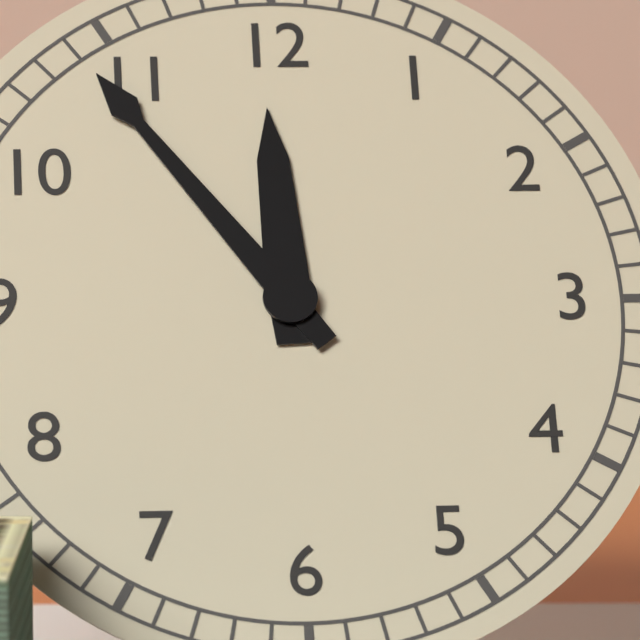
**11:54**
